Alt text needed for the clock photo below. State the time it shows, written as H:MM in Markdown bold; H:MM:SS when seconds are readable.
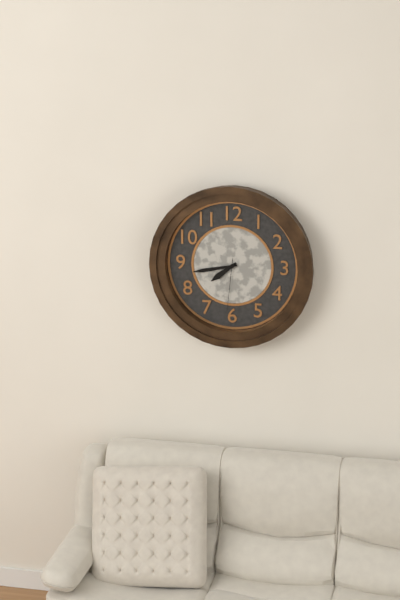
**7:43:31**
